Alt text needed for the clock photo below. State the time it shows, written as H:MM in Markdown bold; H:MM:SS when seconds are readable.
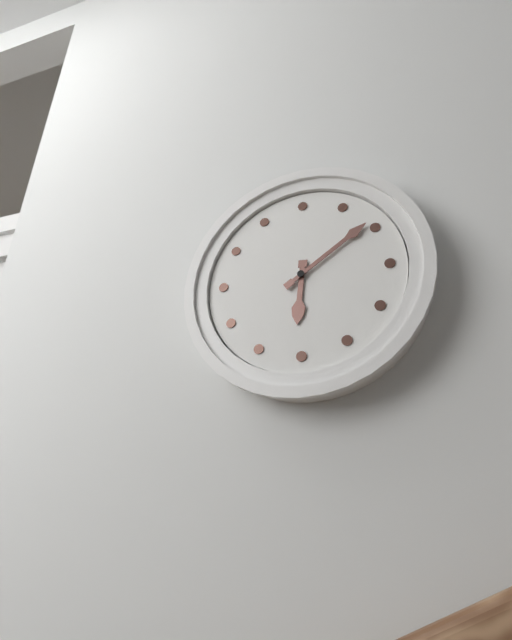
**6:09**
